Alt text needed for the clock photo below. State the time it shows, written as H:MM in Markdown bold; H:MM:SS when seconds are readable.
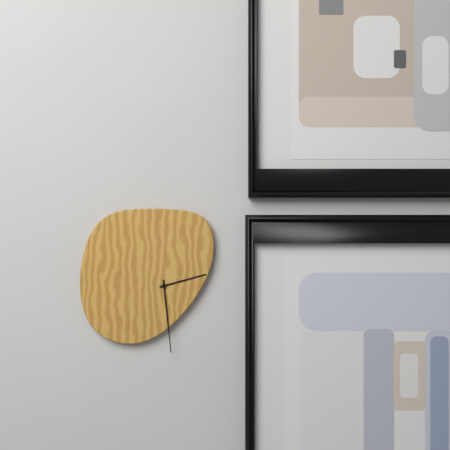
**2:29**
